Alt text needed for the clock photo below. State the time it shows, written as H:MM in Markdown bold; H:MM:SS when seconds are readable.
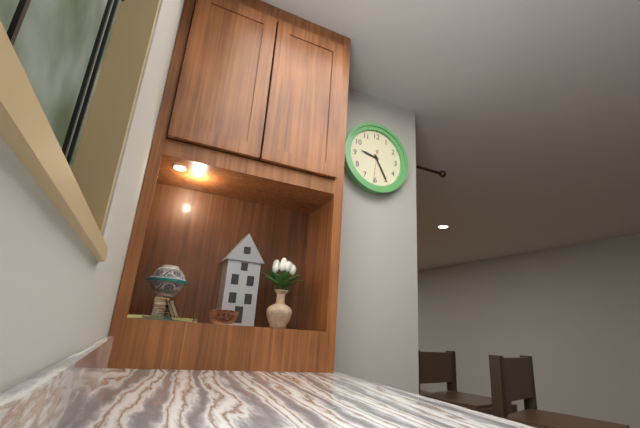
**9:25**
